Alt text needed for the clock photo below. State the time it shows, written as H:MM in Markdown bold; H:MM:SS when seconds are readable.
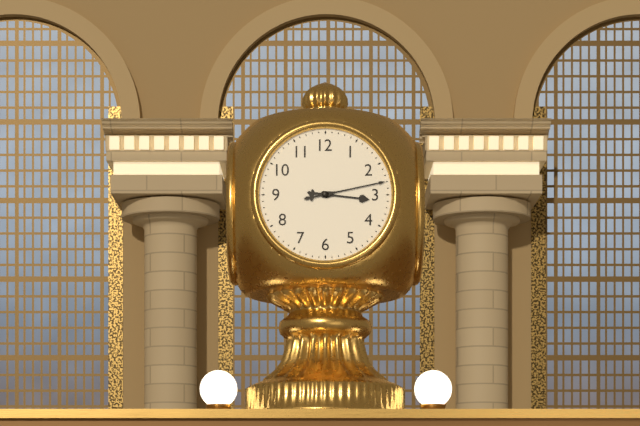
**3:13**
